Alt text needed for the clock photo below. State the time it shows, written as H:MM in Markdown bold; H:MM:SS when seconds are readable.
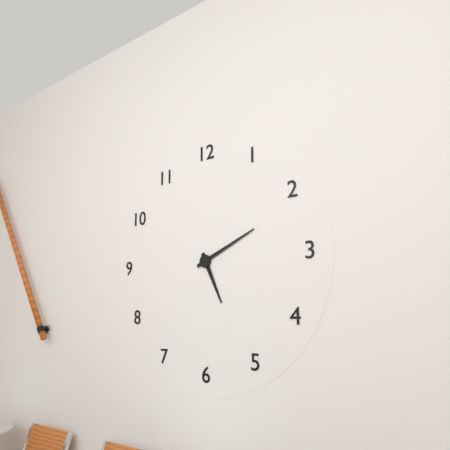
**5:11**
